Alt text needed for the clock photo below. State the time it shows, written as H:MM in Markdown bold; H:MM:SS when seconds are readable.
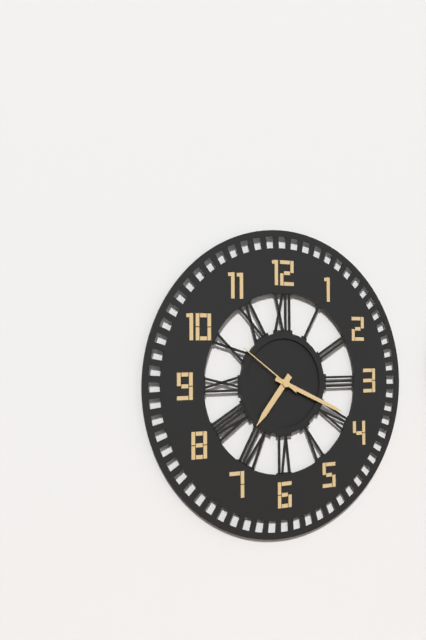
**7:19:51**
